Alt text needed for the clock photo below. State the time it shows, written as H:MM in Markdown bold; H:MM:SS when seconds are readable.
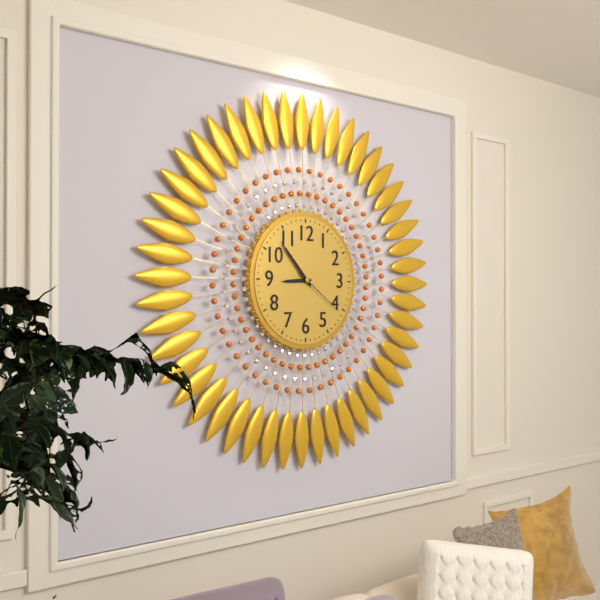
**8:53:21**
